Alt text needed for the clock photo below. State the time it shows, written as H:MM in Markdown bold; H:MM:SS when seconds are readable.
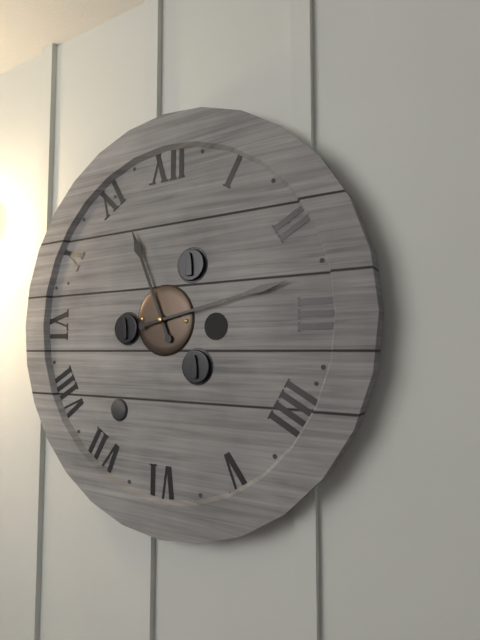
**11:13**
